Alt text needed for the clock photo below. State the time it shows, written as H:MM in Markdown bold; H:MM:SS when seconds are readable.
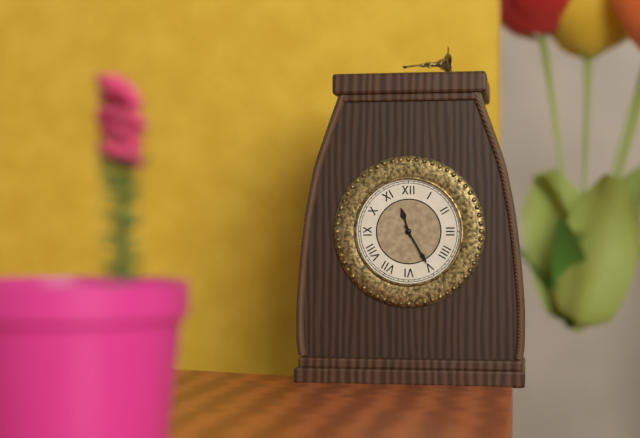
**11:25**
